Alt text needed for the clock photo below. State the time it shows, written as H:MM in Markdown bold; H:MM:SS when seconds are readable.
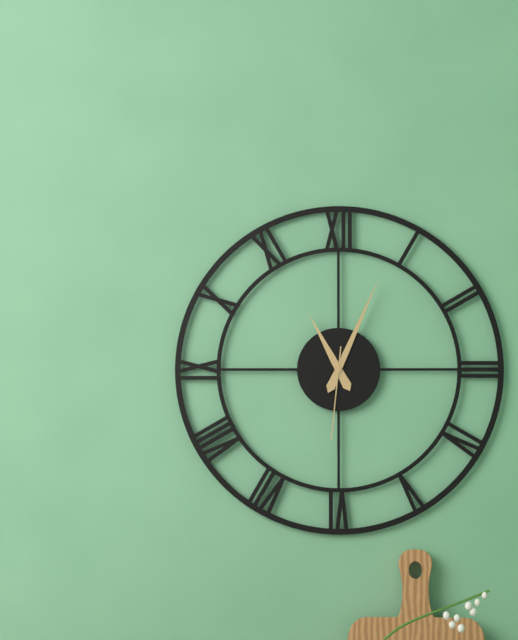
**11:04:31**
